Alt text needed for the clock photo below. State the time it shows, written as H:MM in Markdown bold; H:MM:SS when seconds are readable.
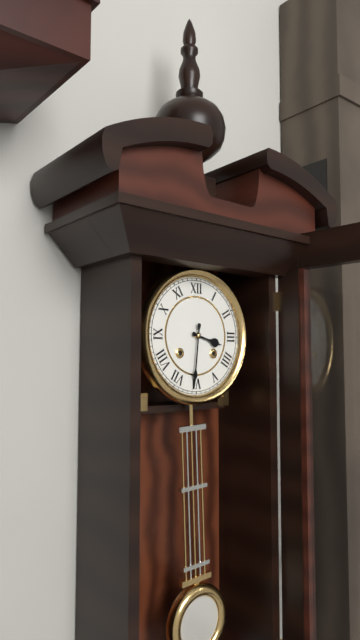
**3:31**
